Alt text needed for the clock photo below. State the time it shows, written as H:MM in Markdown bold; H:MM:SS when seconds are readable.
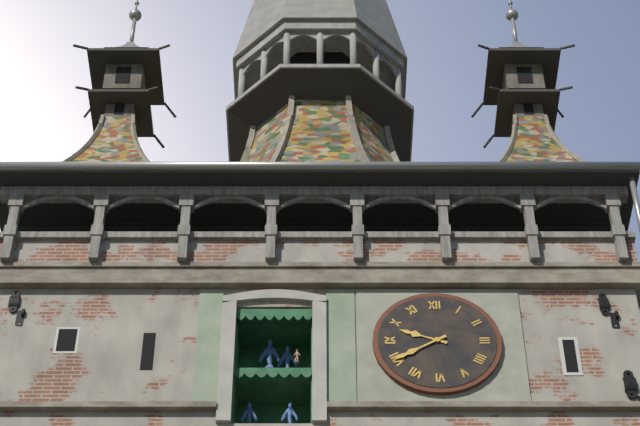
**9:40**
